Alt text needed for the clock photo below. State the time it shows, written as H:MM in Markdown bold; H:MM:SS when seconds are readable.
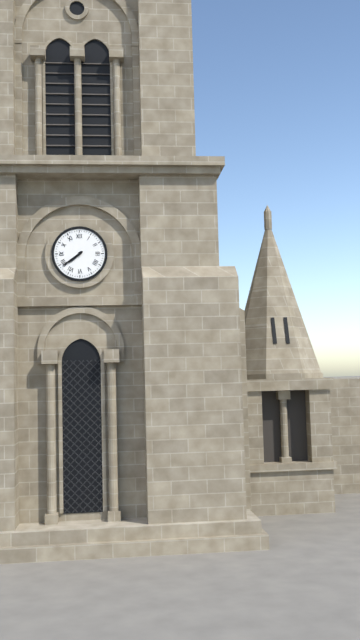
**7:39**
